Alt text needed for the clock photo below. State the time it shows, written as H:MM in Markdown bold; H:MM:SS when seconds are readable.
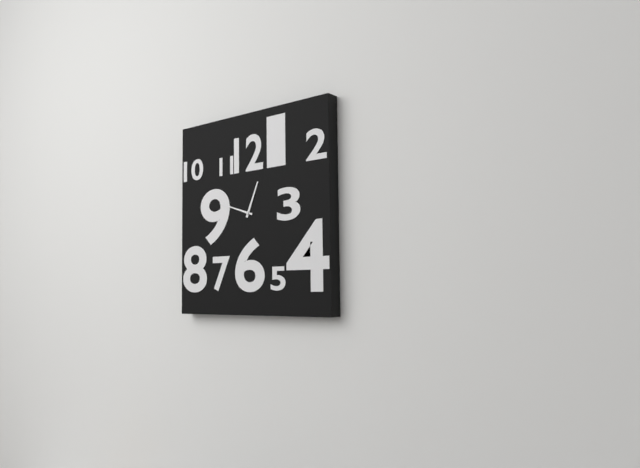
**12:48**
